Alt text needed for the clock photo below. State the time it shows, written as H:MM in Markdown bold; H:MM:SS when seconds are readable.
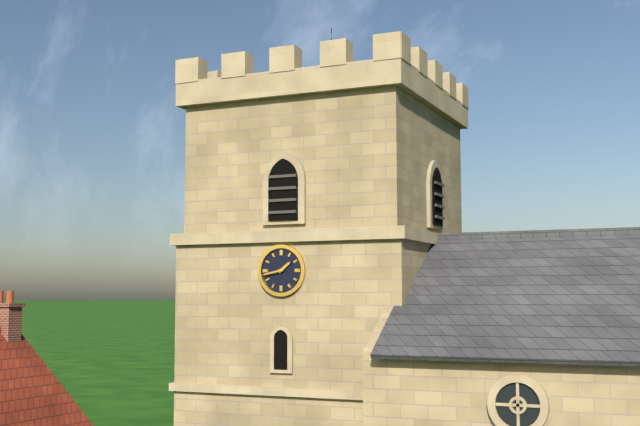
**1:43**
